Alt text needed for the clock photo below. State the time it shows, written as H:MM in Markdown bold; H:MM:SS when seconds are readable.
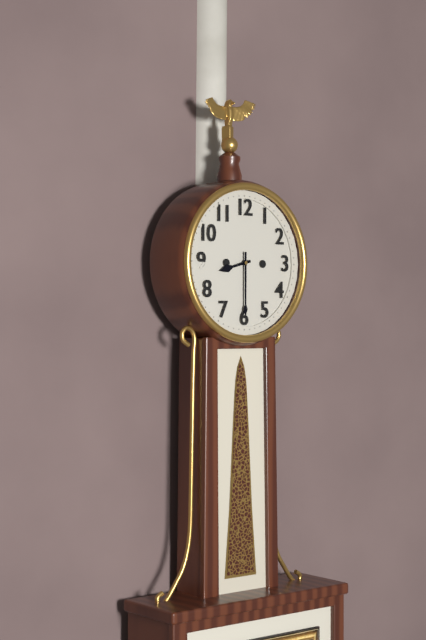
**8:30**
